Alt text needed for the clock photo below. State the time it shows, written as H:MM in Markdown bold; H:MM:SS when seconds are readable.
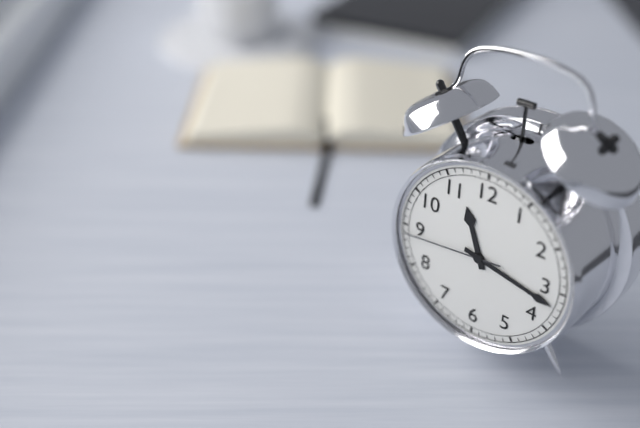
**11:17:44**
